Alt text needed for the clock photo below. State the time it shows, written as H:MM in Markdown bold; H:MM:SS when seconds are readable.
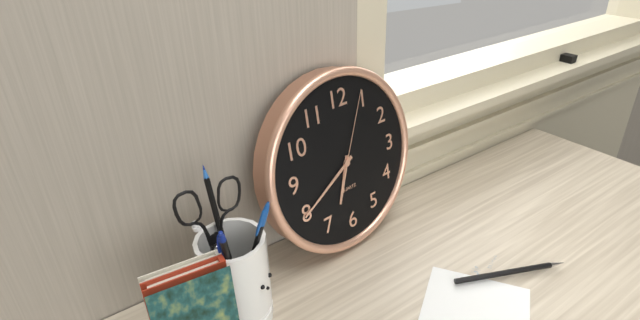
**6:40:04**
